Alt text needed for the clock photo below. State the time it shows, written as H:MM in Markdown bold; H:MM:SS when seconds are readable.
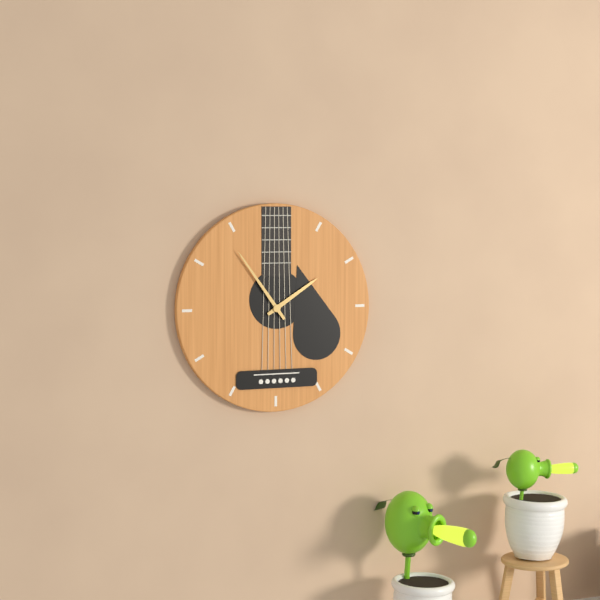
**1:54**
